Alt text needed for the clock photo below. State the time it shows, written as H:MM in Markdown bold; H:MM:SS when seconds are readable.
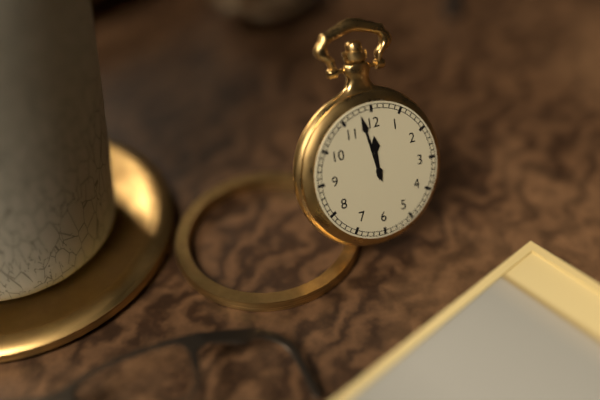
**11:58**
